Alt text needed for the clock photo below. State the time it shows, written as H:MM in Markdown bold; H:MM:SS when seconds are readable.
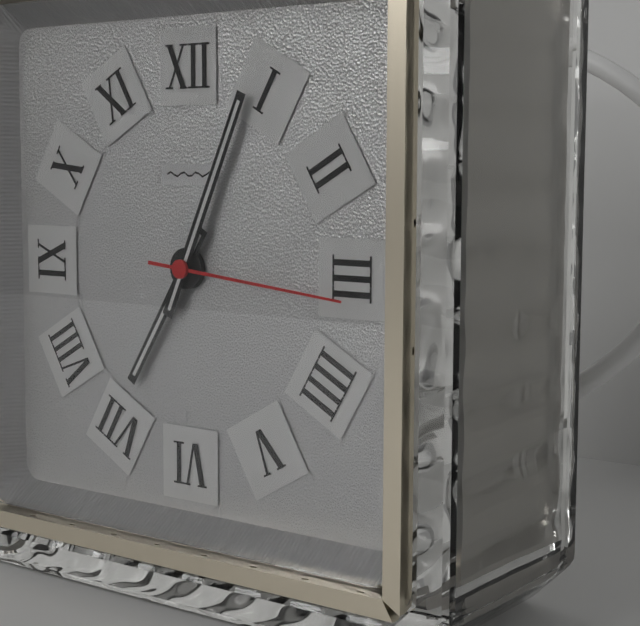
**7:04:16**
